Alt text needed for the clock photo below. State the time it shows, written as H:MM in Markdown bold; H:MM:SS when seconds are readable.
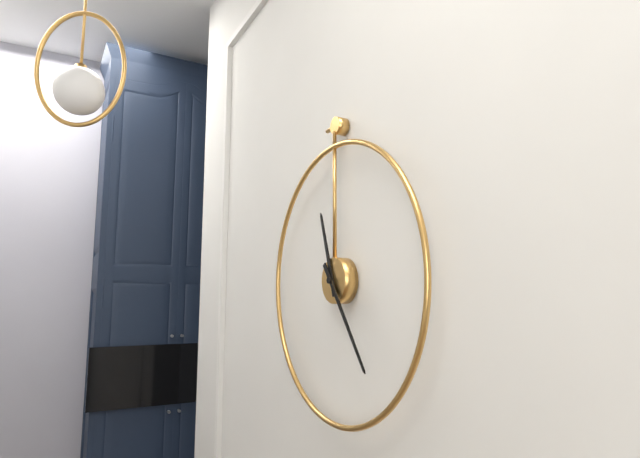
**11:24**
